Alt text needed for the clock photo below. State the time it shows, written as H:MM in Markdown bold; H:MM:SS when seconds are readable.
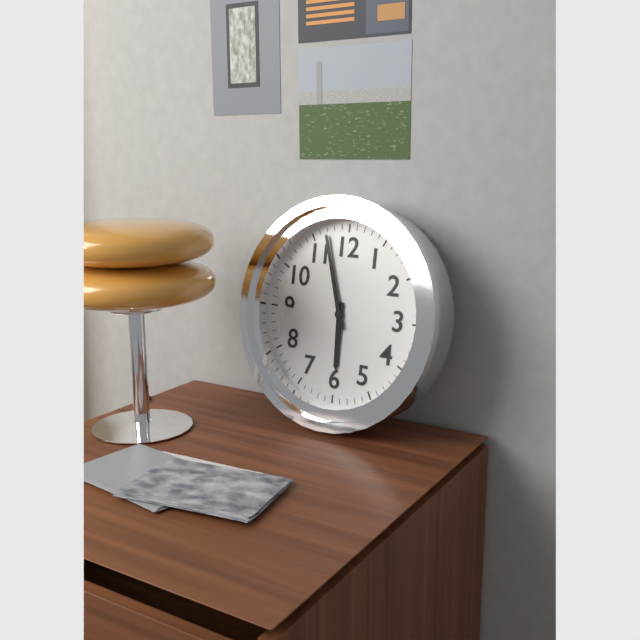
**5:57**
